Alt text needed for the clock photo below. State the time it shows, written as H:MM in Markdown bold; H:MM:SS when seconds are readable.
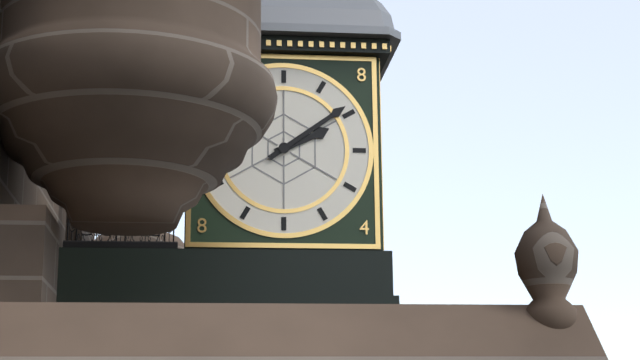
**2:09**
